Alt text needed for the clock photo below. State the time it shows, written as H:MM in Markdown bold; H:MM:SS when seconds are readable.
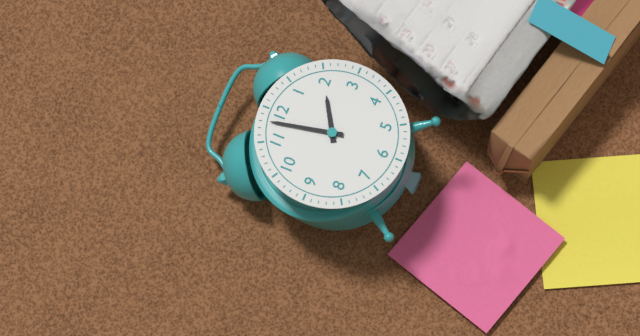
**1:58**
